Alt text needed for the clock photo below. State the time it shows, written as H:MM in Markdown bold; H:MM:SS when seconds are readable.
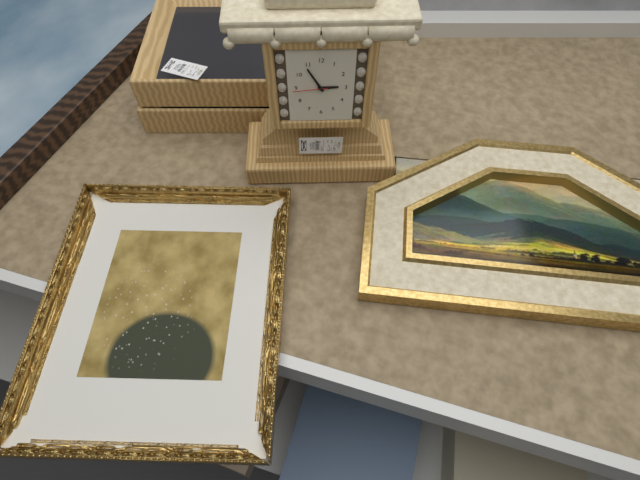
**2:55**
